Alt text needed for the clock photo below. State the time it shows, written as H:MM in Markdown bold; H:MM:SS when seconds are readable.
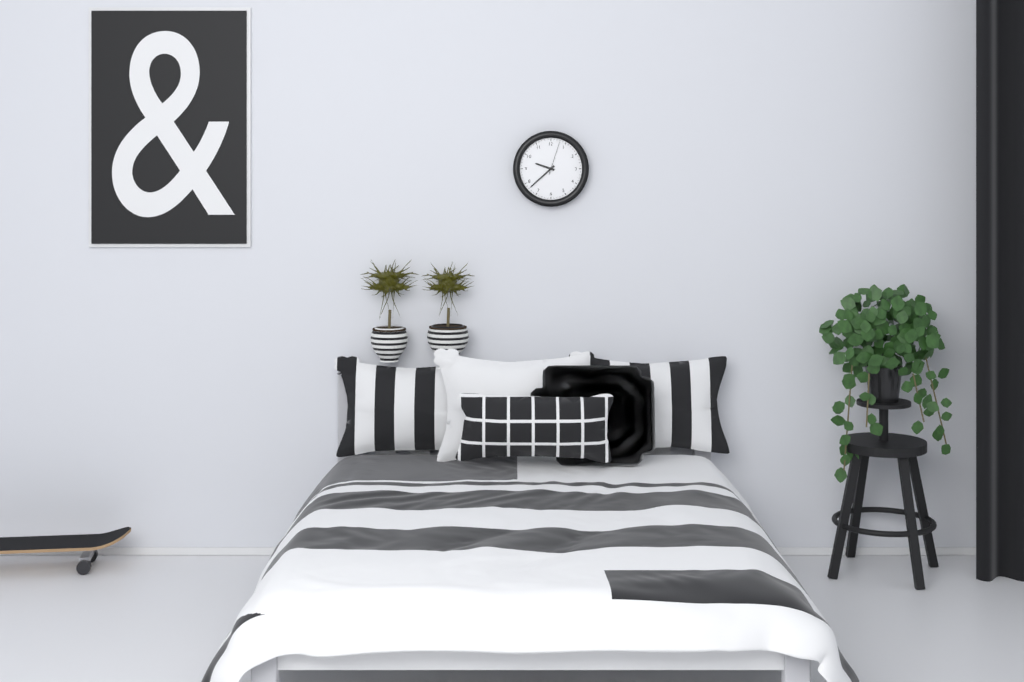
**9:38**
